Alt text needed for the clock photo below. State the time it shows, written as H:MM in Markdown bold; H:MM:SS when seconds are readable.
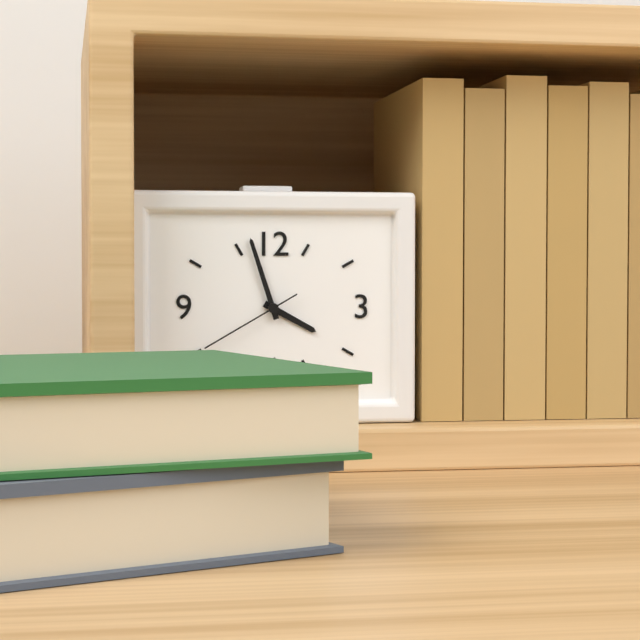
**3:57:40**
